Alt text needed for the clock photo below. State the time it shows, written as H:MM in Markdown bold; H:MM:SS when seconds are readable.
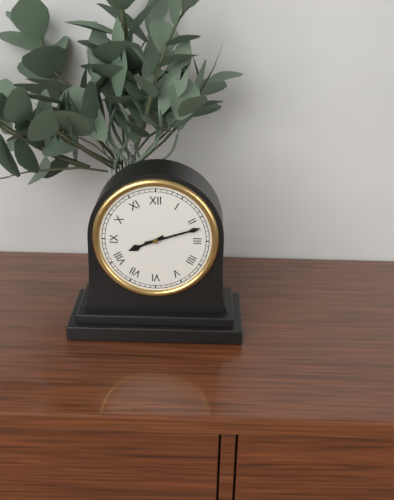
**8:12**
